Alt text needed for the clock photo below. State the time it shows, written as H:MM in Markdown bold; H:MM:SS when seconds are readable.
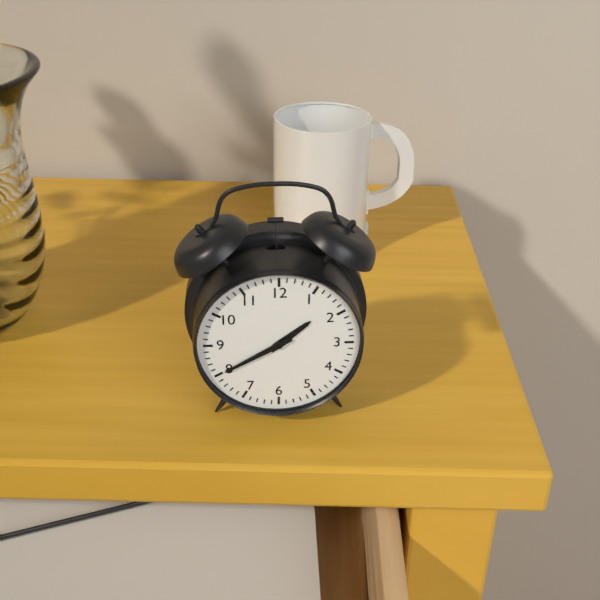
**1:40**
